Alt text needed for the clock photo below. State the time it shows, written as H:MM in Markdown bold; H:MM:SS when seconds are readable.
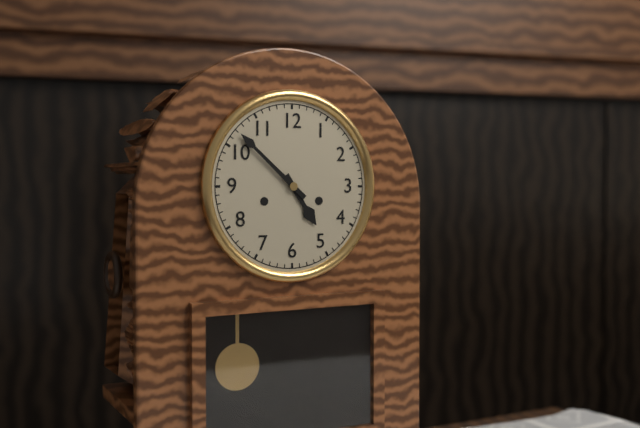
**4:52**
